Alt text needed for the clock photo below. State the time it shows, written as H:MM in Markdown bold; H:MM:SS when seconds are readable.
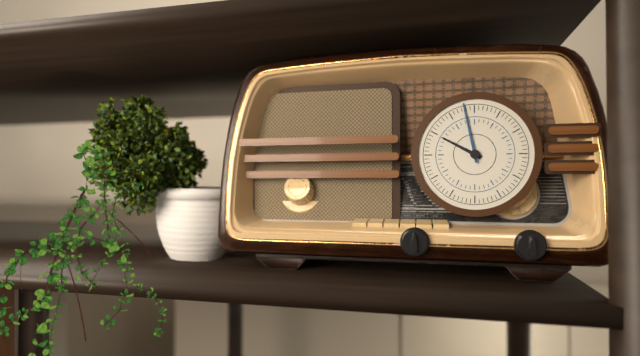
**9:58**
